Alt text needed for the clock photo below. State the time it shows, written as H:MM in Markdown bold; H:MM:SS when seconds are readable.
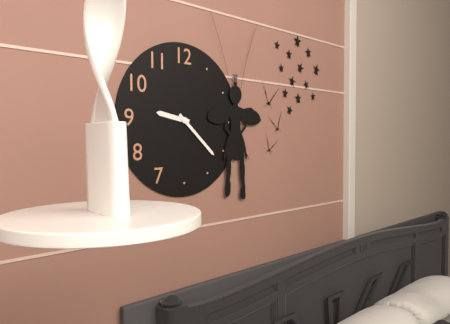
**9:22**
